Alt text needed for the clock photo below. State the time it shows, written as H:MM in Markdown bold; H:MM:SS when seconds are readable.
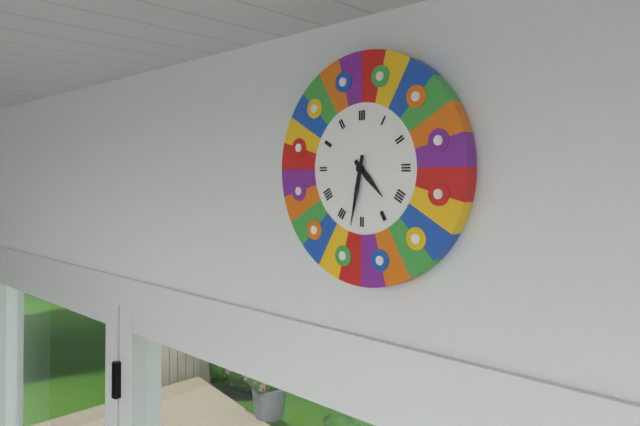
**4:32**
